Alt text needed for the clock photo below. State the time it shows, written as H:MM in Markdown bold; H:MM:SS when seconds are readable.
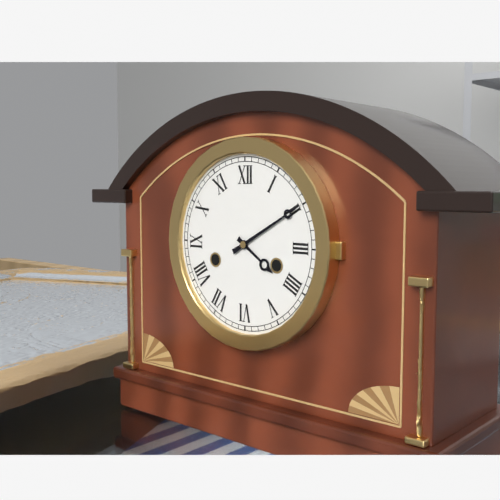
**4:10**
